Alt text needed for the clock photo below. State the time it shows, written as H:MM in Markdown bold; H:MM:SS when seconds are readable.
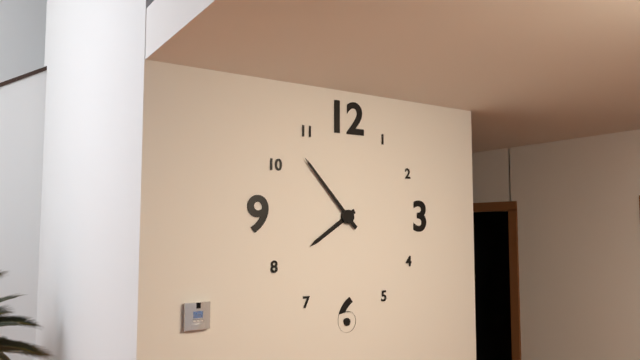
**7:53**
